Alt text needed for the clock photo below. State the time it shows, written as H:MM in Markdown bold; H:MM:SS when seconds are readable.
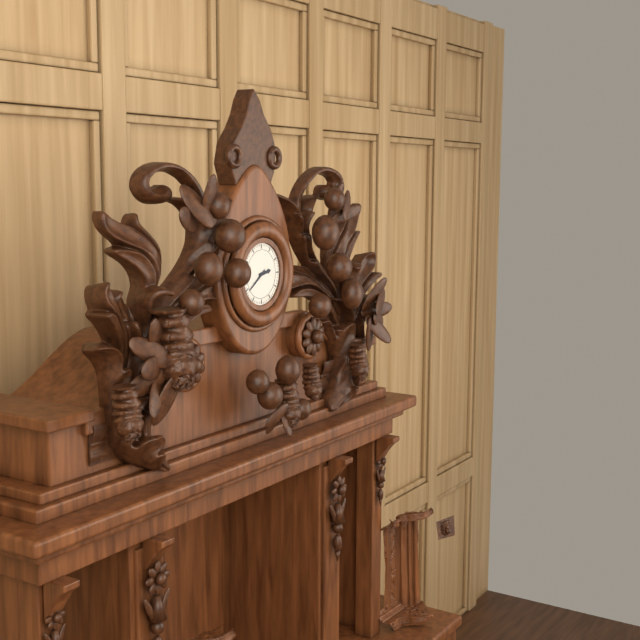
**2:39**
